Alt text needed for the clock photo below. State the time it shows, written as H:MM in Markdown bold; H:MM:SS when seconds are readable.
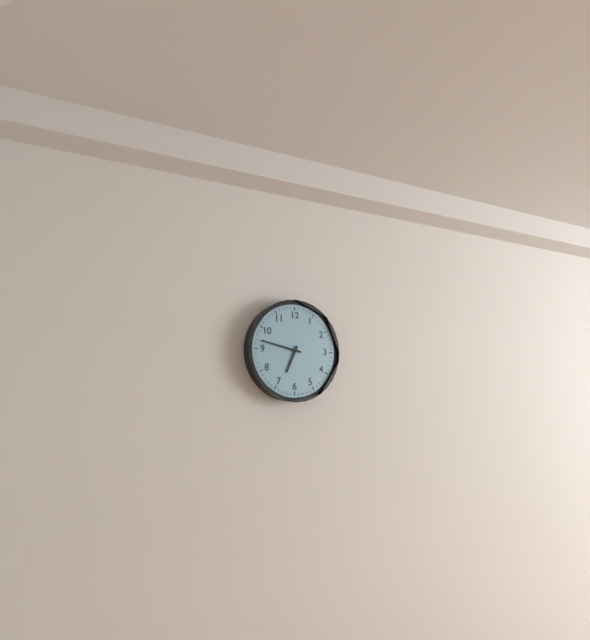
**6:47**
